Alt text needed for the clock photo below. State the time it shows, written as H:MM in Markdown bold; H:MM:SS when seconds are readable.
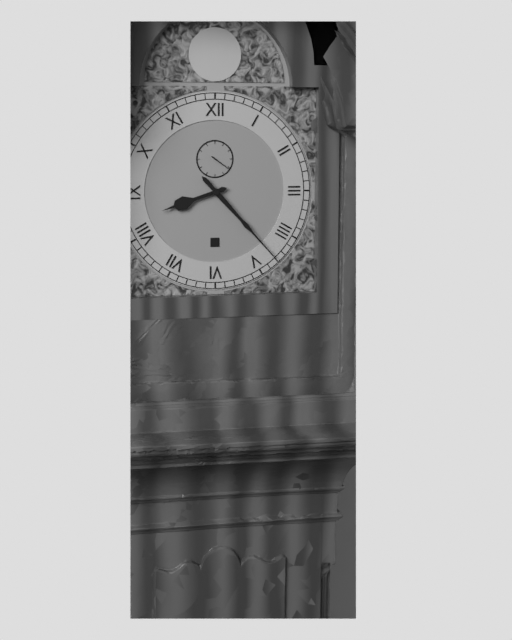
**8:23**
